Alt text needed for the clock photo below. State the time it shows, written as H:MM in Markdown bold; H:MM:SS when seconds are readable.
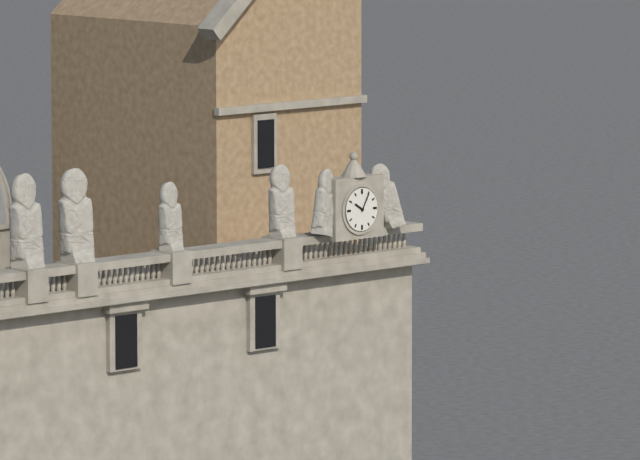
**10:05**
